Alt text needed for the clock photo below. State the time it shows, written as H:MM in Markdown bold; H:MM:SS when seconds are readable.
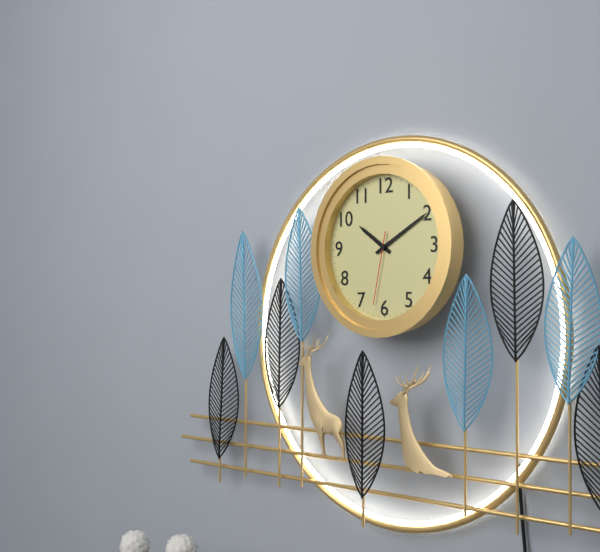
**10:10:32**
